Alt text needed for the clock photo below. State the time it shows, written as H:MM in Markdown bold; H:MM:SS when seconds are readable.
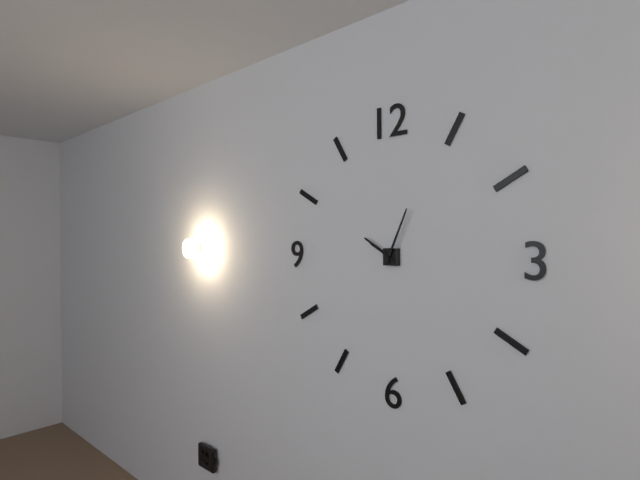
**10:04**
